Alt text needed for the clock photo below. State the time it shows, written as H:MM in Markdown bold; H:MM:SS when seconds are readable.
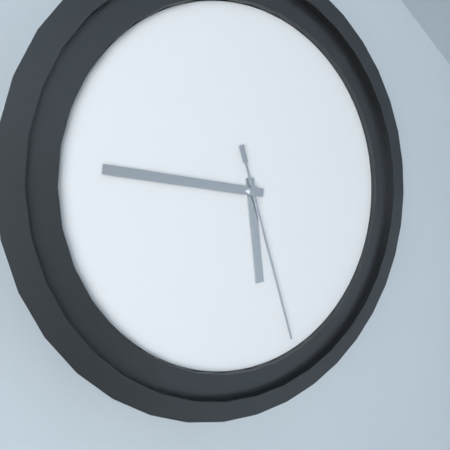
**5:46:27**
